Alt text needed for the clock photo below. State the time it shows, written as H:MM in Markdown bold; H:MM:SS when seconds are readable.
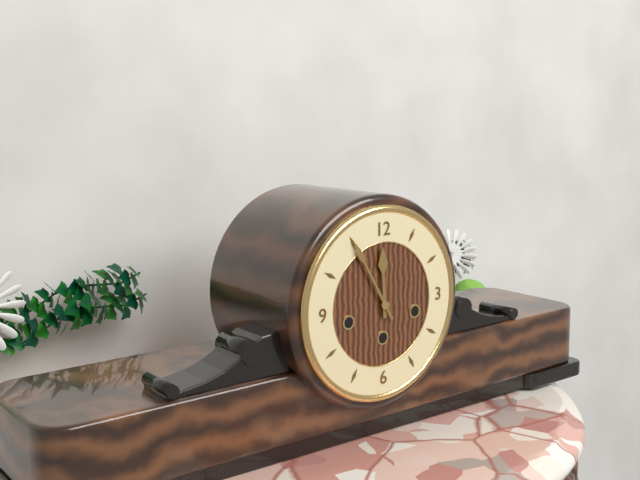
**11:55**
